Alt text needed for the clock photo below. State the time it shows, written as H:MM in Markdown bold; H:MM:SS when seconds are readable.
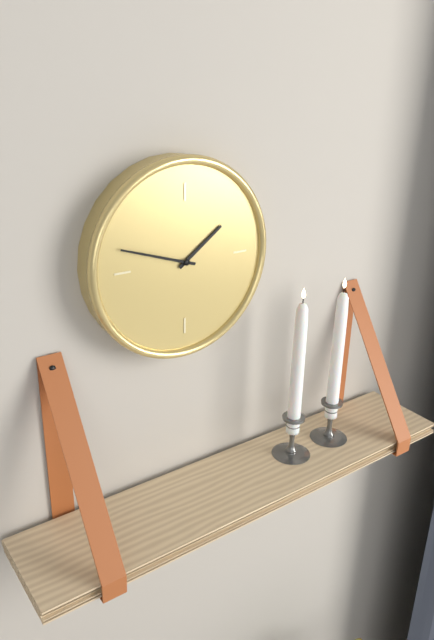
**1:48**
